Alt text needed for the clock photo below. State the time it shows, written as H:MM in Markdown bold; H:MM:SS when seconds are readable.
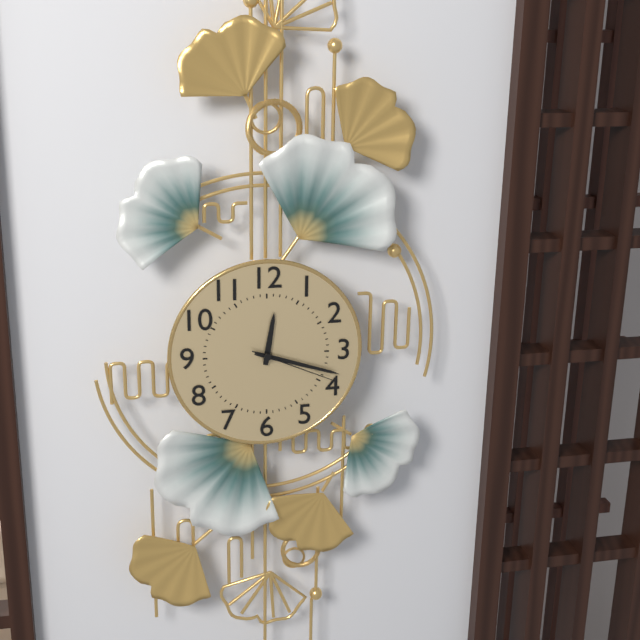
**12:18:19**
